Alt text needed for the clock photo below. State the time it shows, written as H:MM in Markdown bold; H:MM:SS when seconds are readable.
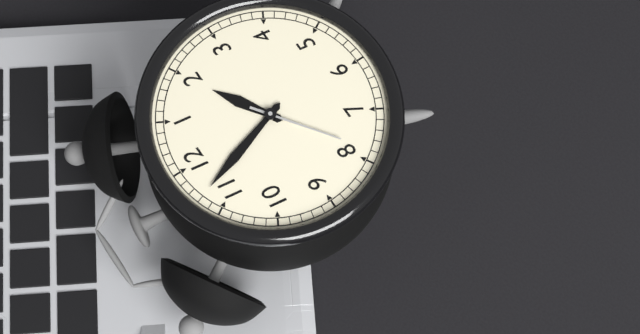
**1:57:39**
